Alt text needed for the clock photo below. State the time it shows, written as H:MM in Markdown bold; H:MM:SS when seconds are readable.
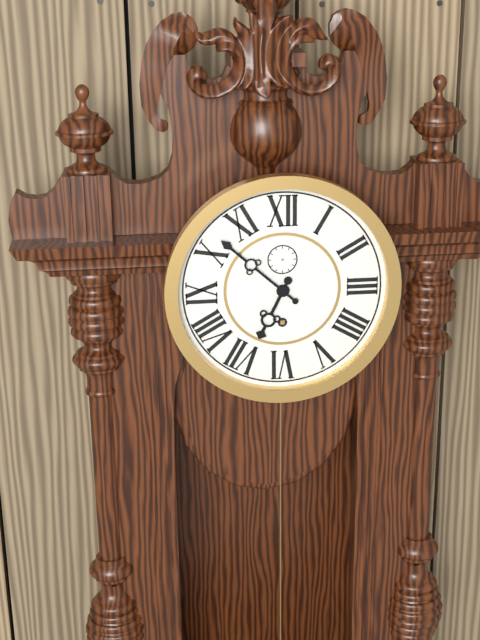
**6:52**
